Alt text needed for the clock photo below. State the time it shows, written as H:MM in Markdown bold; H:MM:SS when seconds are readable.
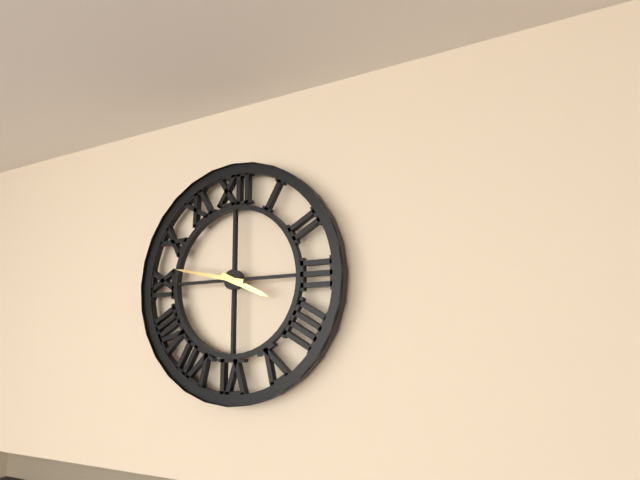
**3:47**
